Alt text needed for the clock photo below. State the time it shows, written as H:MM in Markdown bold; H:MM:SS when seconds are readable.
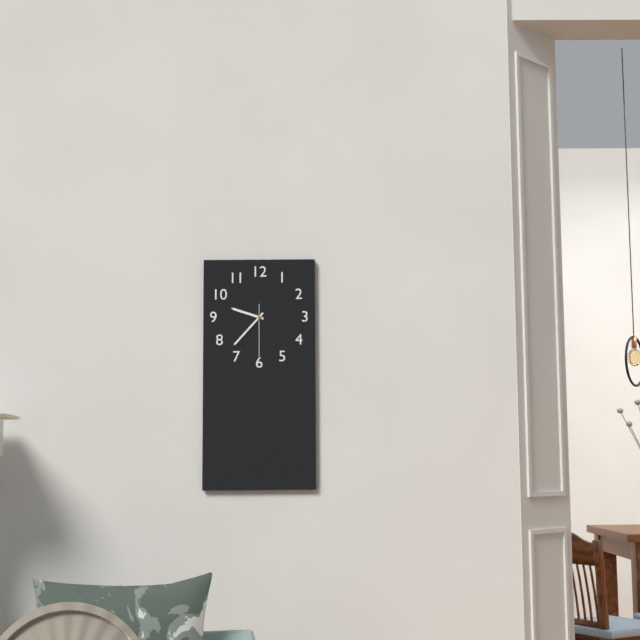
**9:37:30**
